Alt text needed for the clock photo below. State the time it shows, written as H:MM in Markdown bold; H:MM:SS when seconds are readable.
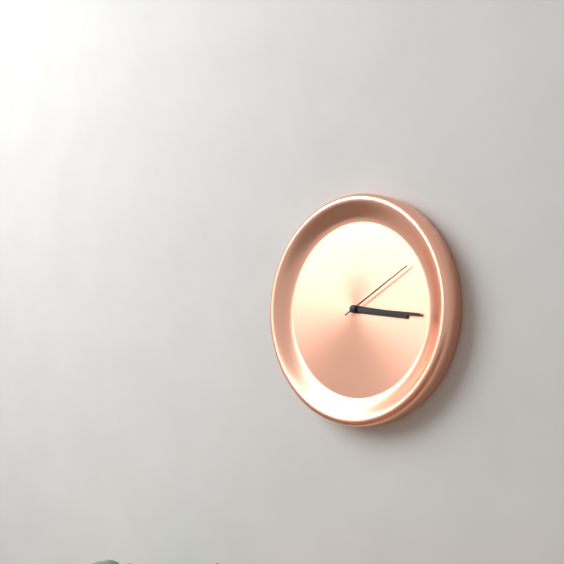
**3:16:10**
